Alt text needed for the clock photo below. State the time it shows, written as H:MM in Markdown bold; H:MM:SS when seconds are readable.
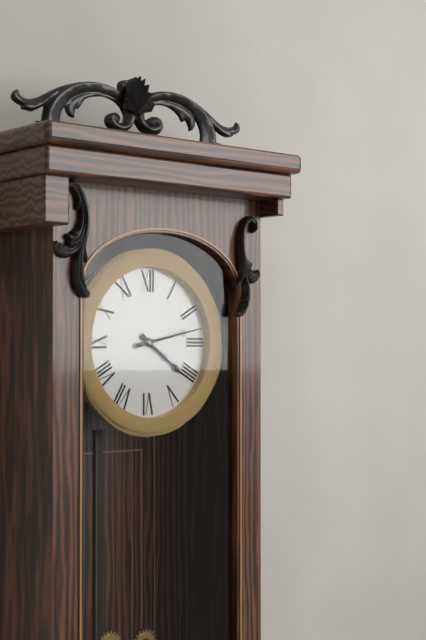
**4:13**
